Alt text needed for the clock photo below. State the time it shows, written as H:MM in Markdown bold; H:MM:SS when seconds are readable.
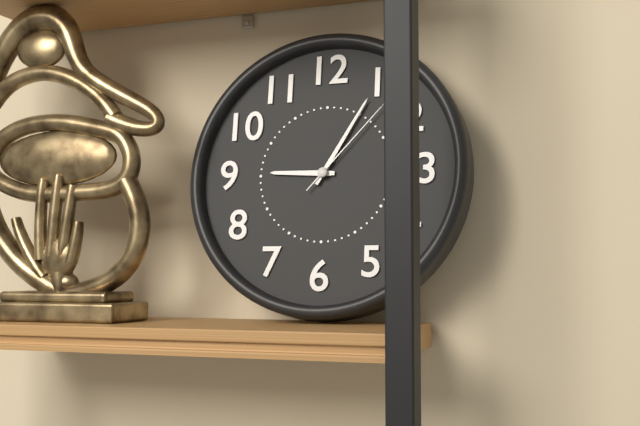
**9:05:07**
